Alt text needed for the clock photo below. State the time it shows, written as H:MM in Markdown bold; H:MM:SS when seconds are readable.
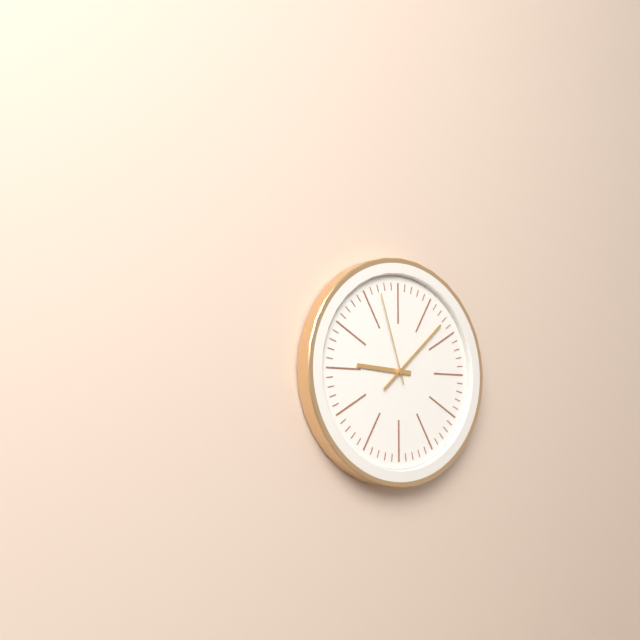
**9:08:57**
